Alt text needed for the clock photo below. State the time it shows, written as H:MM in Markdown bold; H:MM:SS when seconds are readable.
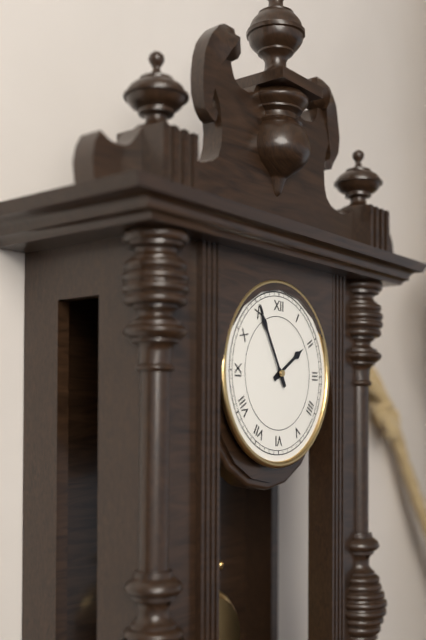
**1:55**
